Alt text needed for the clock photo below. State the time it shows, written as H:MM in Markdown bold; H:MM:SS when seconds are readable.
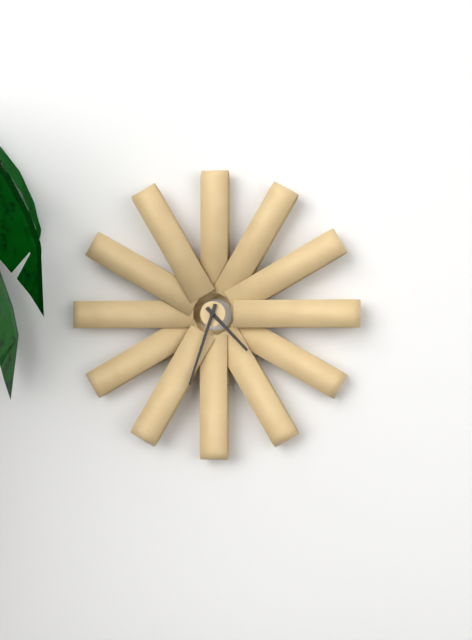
**4:33**
